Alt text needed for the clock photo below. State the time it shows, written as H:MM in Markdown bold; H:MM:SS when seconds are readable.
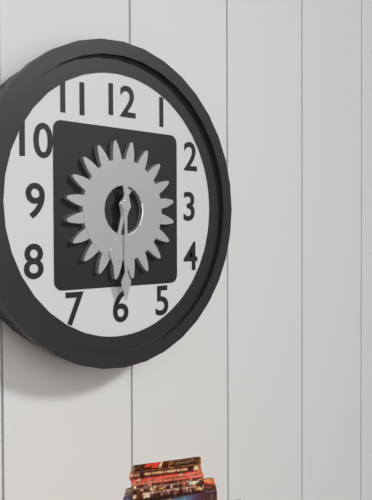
**6:30**
